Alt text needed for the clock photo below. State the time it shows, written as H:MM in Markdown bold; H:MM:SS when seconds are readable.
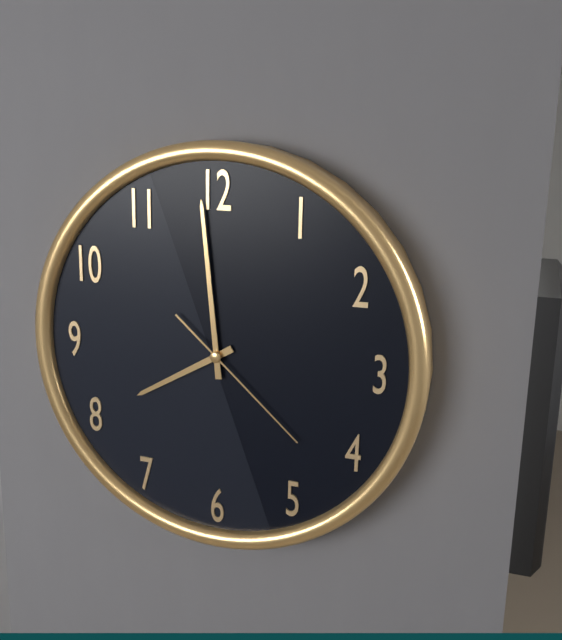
**7:59:22**
